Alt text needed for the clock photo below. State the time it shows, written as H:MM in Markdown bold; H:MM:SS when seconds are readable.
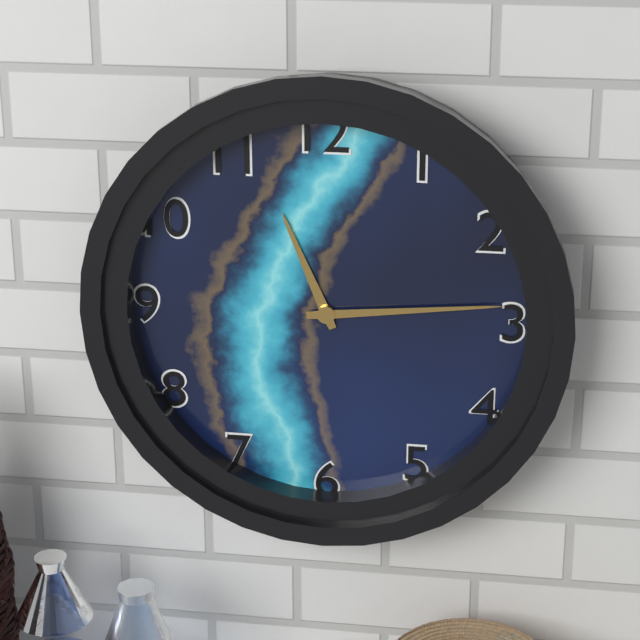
**11:14**
